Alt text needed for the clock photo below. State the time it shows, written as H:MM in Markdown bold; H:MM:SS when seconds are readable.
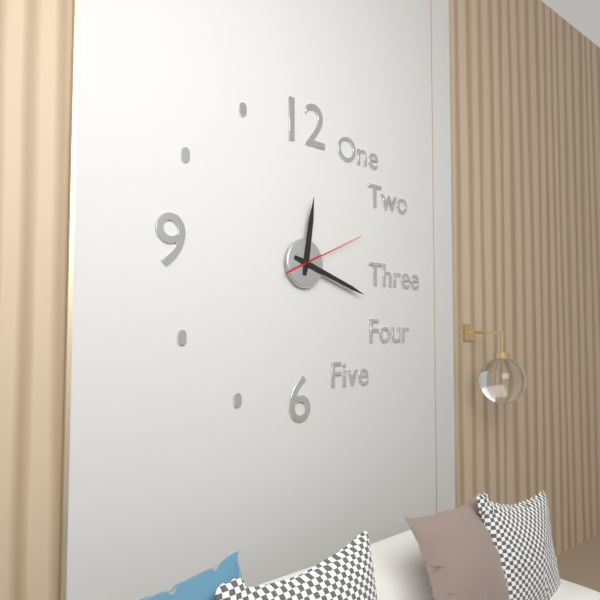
**12:18:11**
